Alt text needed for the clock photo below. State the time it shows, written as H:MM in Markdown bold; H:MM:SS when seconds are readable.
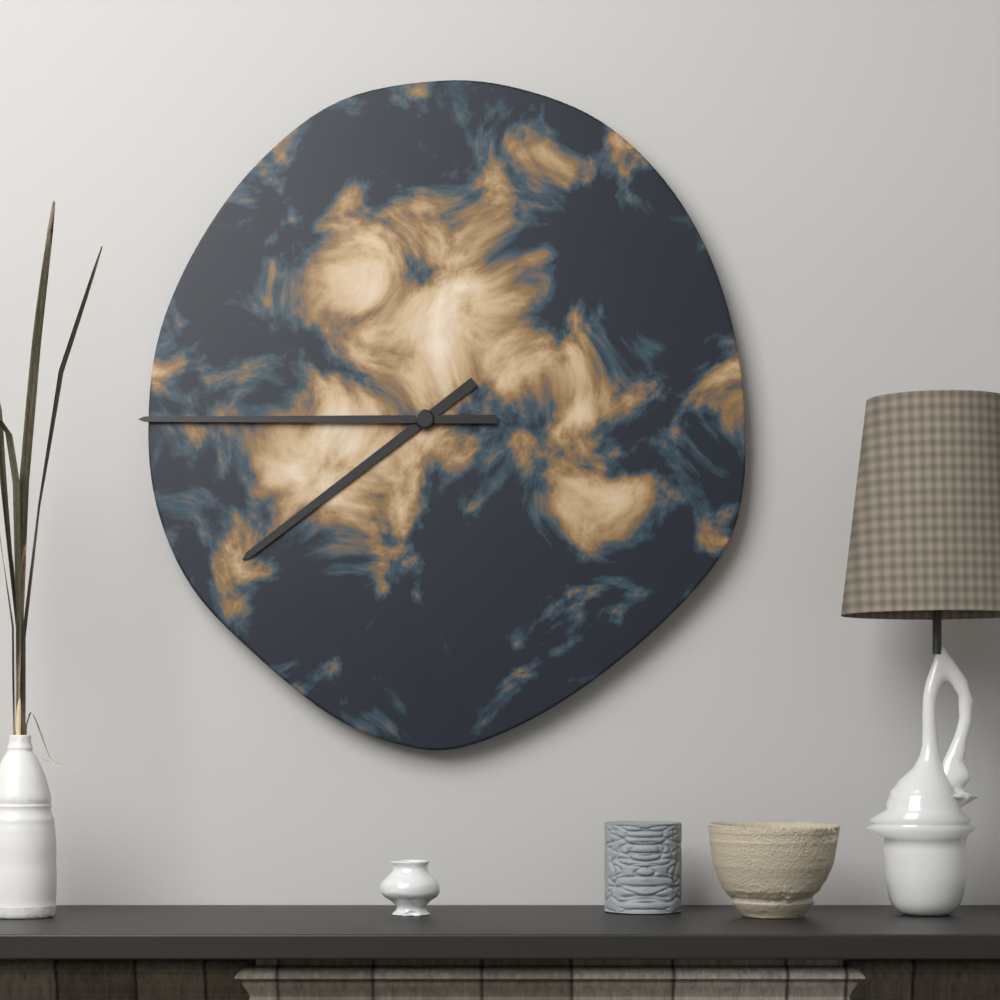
**7:45**
